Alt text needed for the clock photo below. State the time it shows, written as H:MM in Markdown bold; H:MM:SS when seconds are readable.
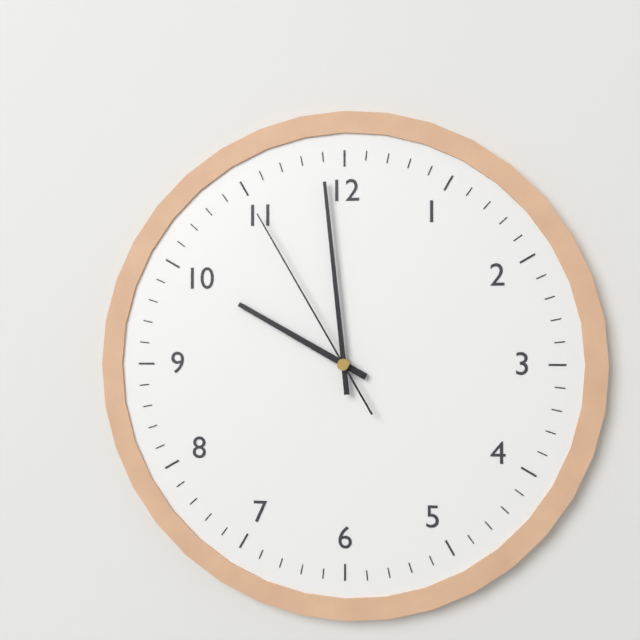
**9:59:55**
